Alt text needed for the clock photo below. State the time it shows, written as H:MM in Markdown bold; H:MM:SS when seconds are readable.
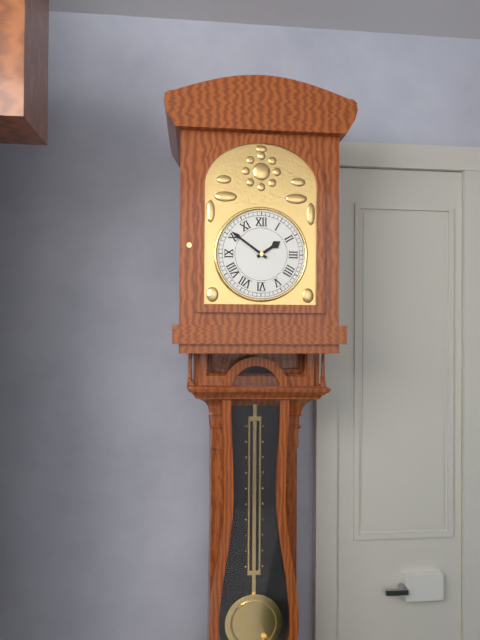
**1:51**
